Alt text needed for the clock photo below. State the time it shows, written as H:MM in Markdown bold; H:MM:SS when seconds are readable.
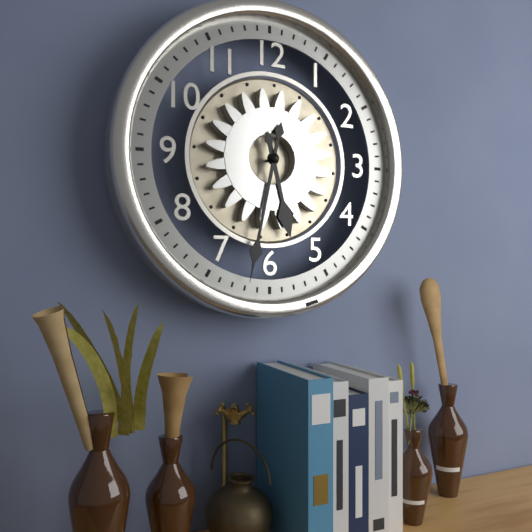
**5:32**
